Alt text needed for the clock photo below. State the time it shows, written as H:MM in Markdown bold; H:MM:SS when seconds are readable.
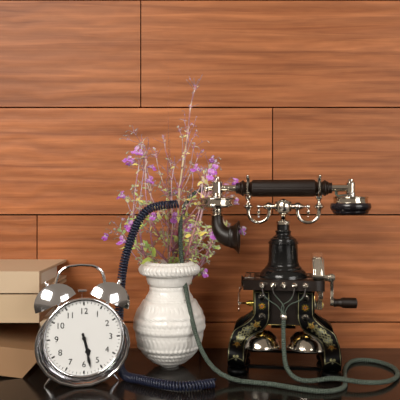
**5:28**
